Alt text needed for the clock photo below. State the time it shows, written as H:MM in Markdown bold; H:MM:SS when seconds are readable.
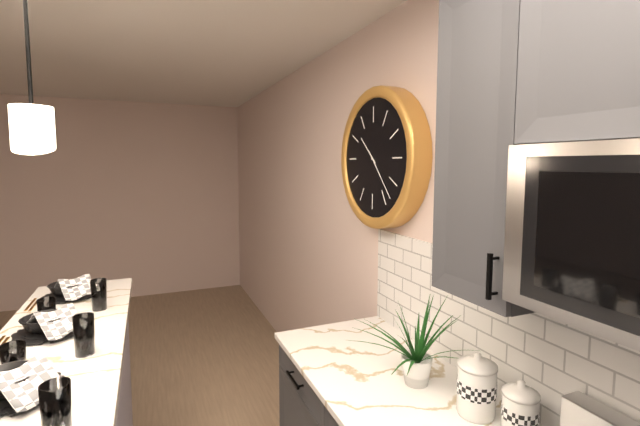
**10:23**
